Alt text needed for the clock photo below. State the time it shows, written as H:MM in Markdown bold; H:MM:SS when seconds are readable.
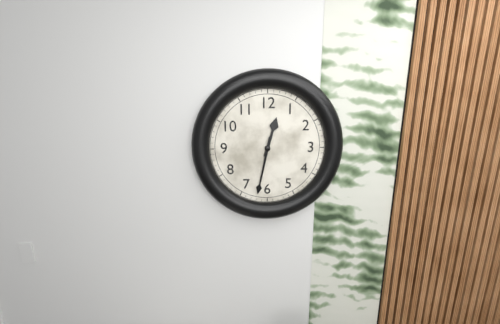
**12:32**
